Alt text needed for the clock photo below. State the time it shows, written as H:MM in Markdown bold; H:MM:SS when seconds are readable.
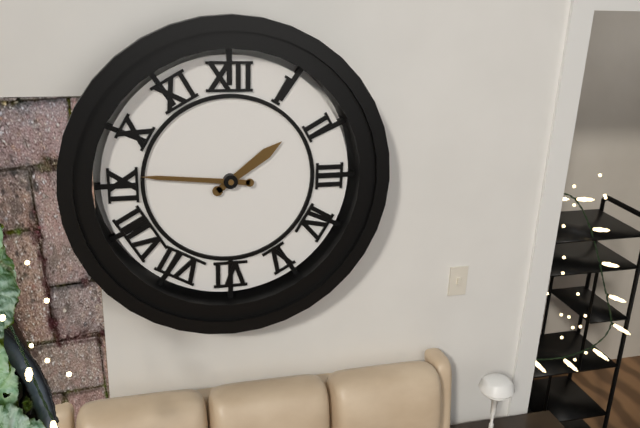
**1:46**
